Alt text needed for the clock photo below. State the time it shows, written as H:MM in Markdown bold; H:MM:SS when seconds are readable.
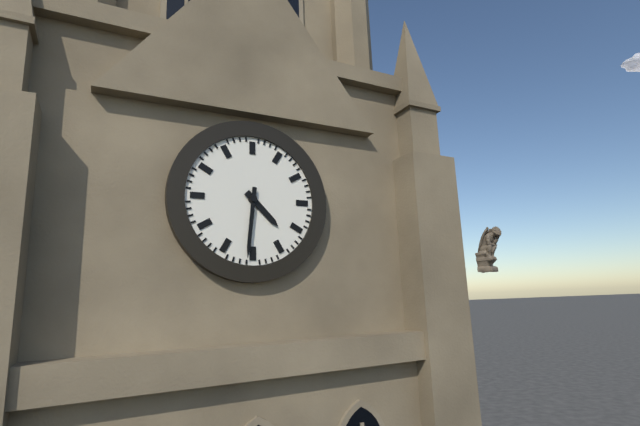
**4:31**
